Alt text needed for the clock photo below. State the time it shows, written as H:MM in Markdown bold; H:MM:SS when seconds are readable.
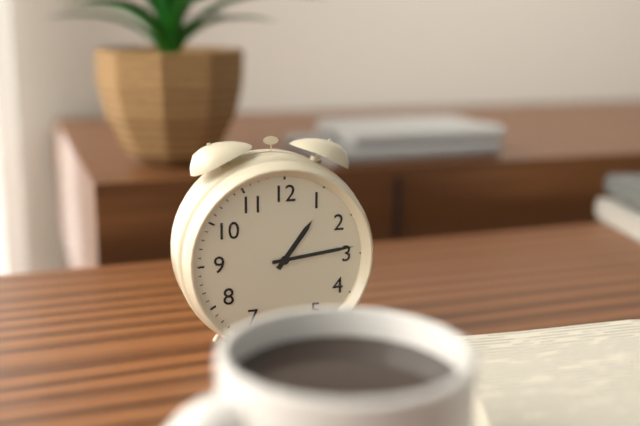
**1:14**
